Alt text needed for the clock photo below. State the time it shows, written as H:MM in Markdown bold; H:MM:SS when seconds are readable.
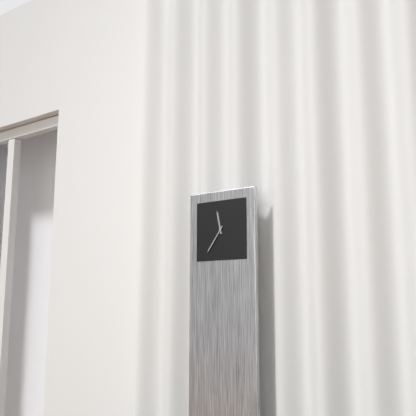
**11:36**
